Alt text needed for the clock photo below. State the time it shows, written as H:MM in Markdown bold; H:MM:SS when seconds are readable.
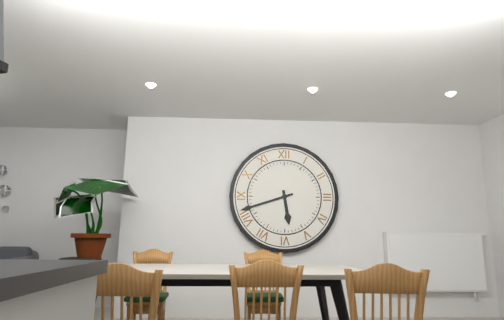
**5:42**
